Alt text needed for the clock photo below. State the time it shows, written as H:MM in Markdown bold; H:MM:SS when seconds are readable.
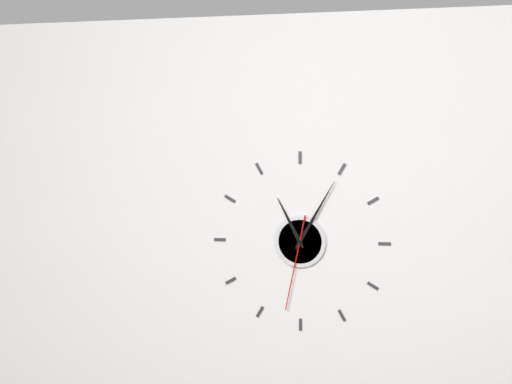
**11:05:32**
